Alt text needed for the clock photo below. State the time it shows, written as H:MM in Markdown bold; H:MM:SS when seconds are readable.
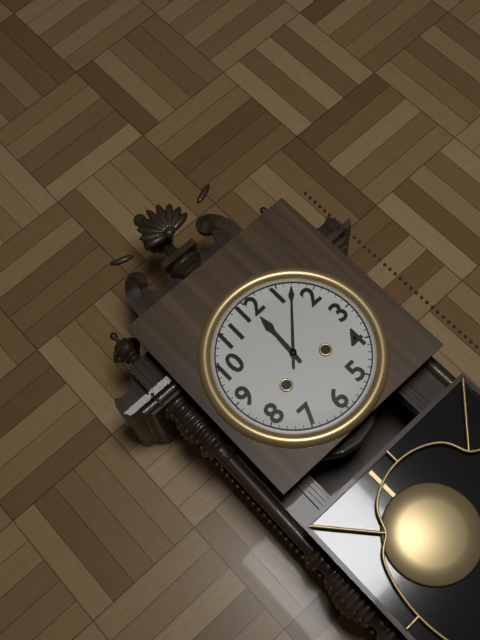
**12:07**
